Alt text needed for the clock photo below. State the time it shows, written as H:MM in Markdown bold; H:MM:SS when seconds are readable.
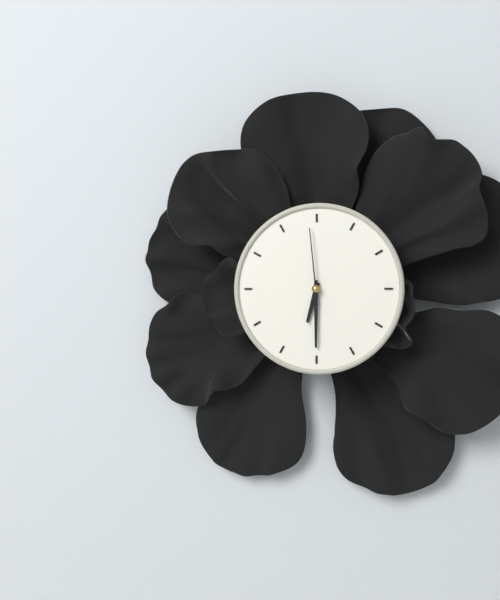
**6:30:59**
